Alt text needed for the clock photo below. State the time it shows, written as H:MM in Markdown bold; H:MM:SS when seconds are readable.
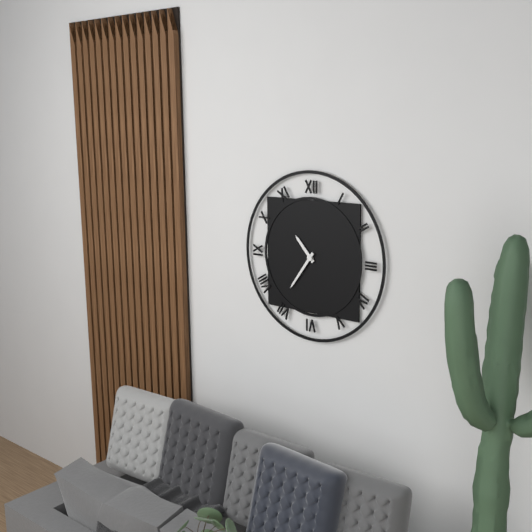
**10:36**
